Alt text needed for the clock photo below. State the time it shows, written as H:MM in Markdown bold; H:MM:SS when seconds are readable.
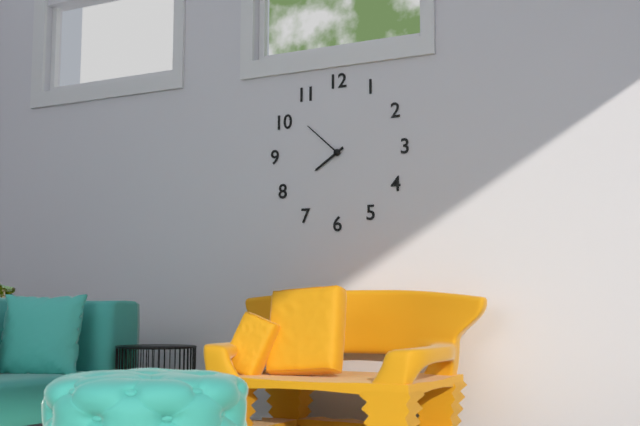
**7:52**
